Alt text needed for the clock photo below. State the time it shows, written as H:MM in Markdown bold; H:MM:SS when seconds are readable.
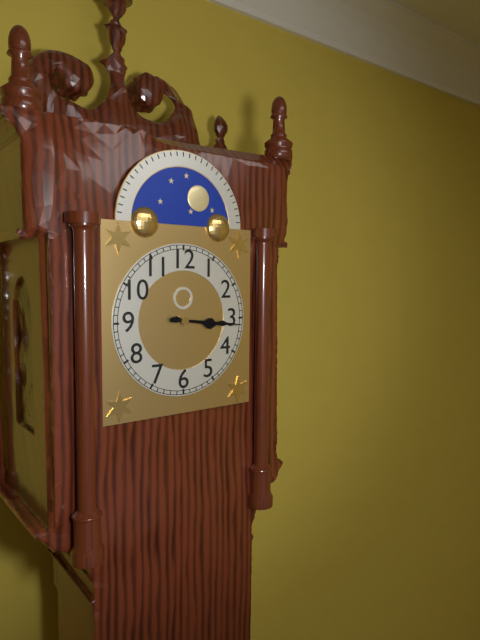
**3:16**
